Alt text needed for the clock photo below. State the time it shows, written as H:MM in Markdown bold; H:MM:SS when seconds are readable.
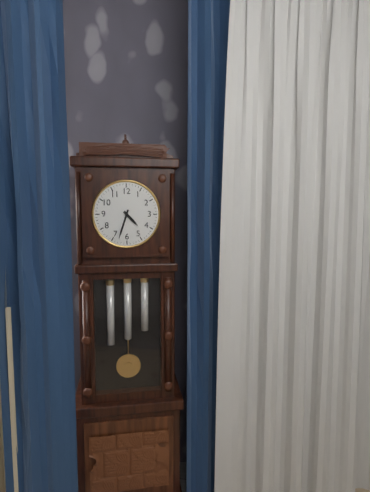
**4:33**
